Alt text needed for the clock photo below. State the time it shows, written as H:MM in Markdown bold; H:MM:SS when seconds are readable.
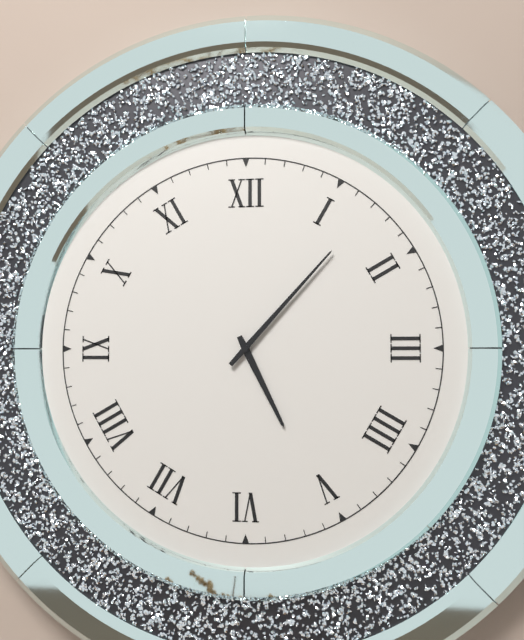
**5:07**
